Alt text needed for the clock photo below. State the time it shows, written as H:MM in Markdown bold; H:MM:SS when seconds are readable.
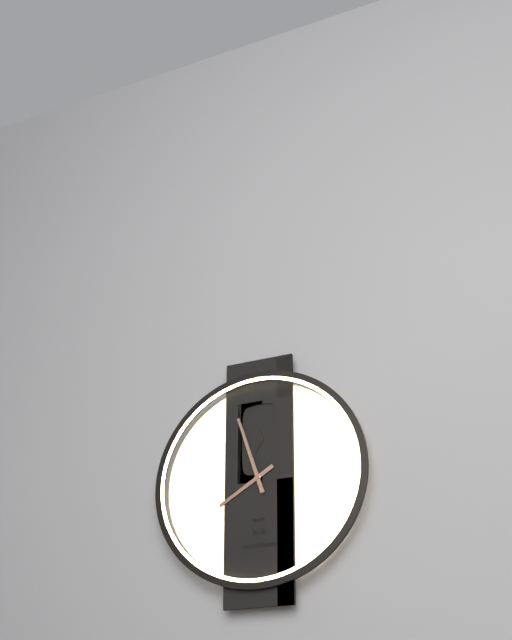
**7:57**
